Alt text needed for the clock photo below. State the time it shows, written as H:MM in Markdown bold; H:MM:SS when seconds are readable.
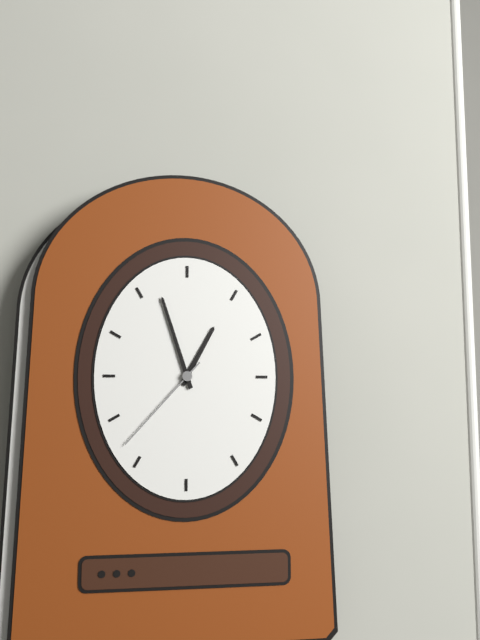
**12:57:37**
